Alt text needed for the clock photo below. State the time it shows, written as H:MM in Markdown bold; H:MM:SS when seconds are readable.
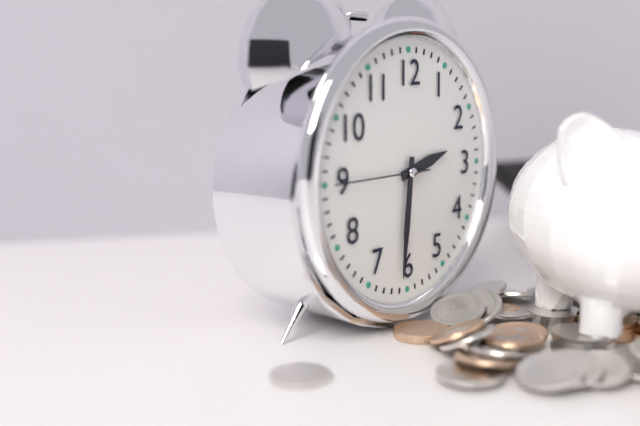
**2:31:45**
